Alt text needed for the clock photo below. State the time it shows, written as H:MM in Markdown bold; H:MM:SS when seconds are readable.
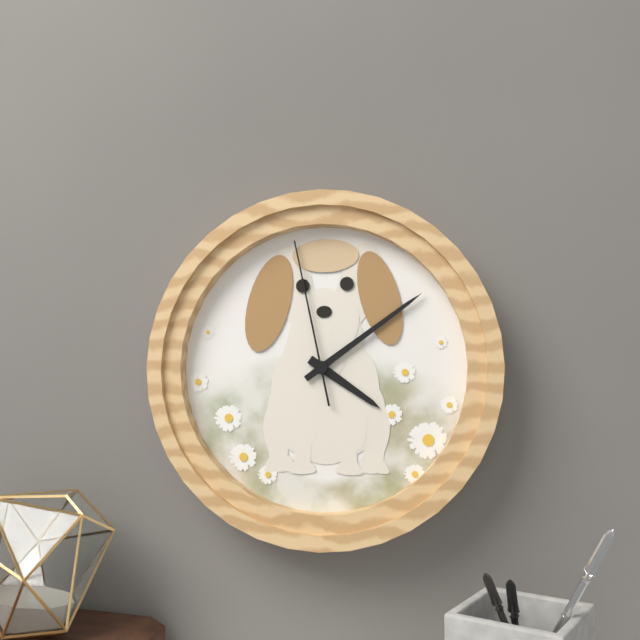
**4:09:58**
